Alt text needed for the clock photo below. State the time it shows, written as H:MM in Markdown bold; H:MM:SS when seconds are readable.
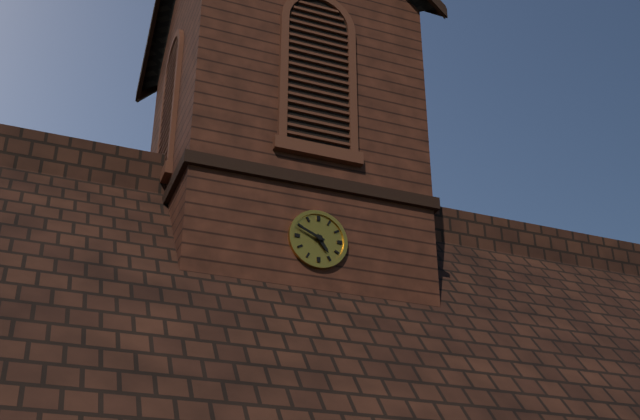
**4:49**
